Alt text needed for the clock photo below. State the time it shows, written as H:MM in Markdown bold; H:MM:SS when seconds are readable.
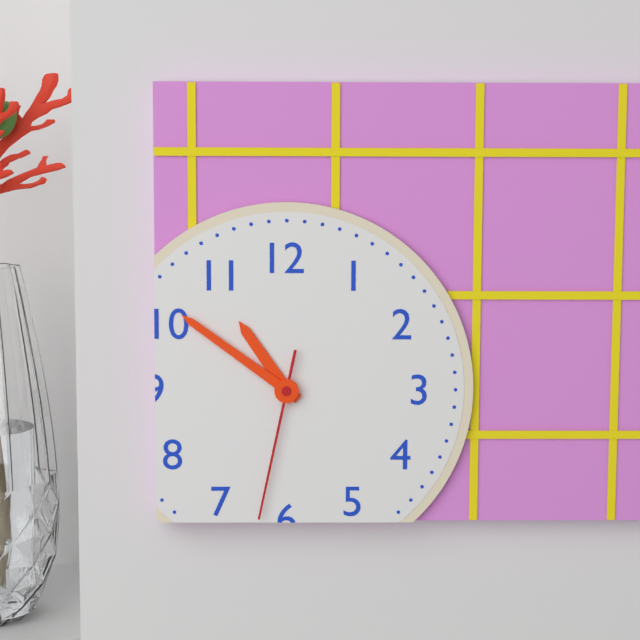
**10:51:32**
